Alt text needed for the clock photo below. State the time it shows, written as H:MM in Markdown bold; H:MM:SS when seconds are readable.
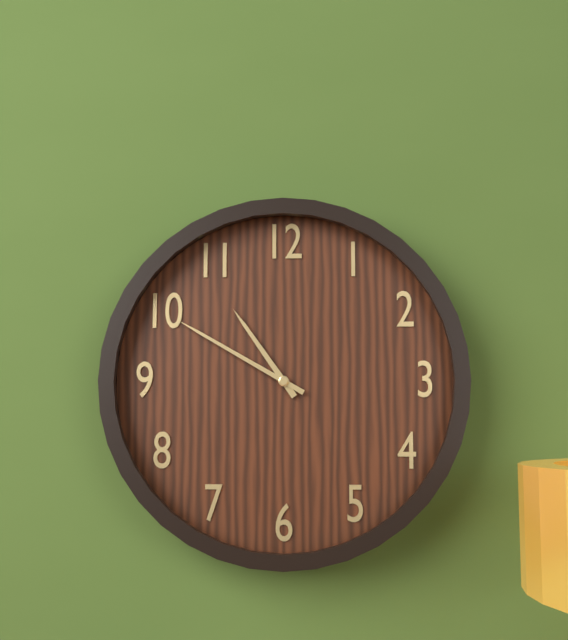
**10:50**
